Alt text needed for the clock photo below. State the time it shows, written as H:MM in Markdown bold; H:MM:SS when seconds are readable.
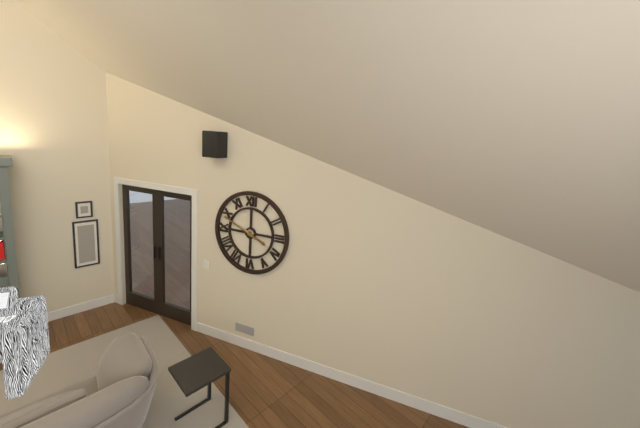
**3:49**
